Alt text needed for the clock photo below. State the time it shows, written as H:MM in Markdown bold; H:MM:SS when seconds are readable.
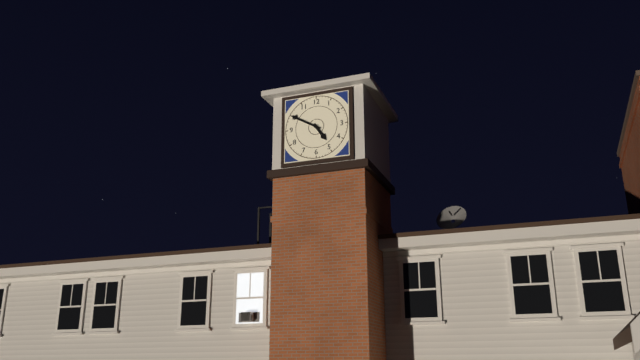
**4:50**
